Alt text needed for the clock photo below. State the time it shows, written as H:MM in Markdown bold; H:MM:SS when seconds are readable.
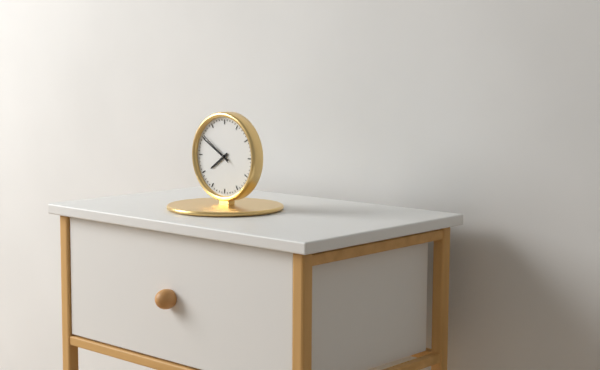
**7:50**
